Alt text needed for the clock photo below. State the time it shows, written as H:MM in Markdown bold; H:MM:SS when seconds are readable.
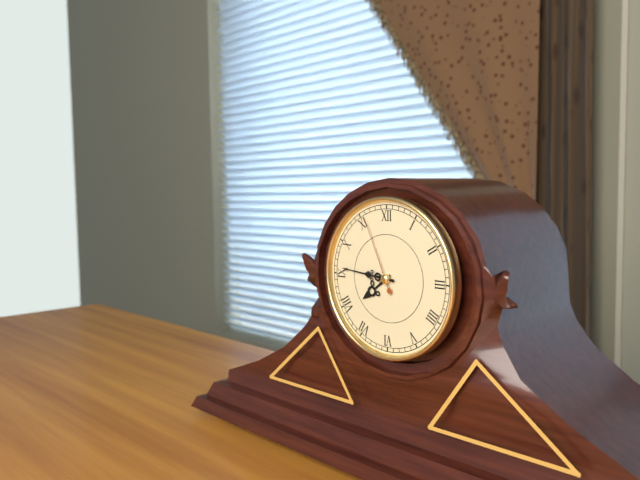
**7:46:56**
